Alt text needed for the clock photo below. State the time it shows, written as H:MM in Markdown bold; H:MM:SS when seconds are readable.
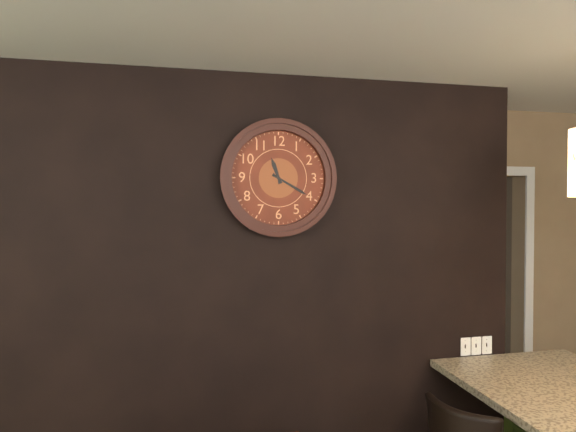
**11:20**
